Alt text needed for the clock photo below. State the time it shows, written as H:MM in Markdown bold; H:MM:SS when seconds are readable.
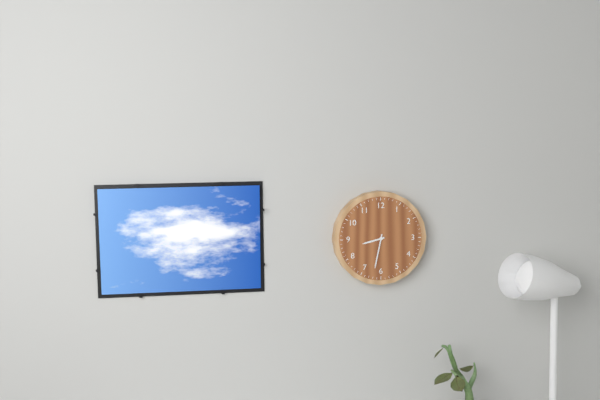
**8:32**
